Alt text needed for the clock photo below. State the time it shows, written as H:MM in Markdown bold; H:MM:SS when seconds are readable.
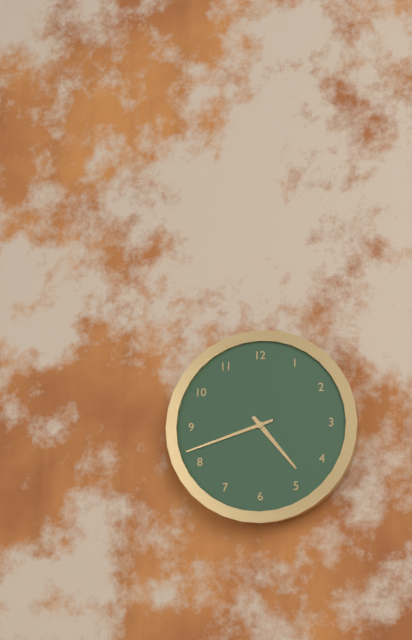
**4:42**
